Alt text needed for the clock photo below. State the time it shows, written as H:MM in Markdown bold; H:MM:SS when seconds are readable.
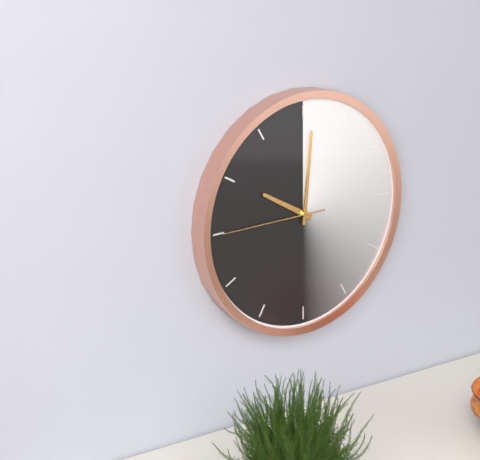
**10:01:45**
